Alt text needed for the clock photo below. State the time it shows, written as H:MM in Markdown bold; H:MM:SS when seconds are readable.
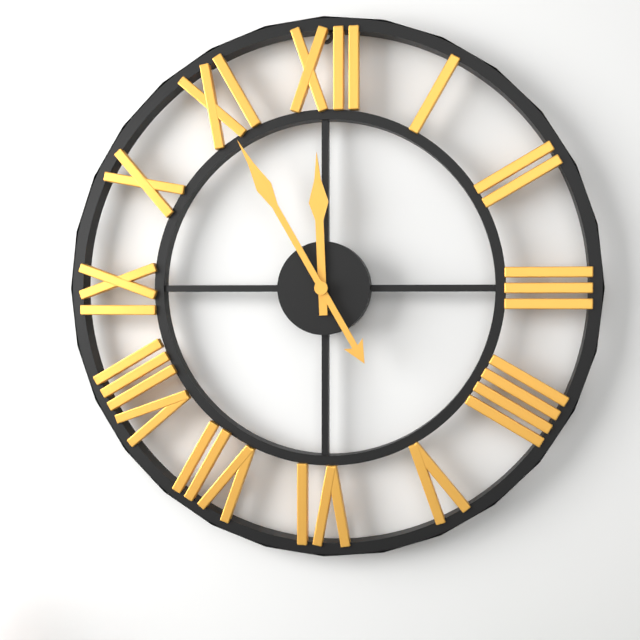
**11:55**
